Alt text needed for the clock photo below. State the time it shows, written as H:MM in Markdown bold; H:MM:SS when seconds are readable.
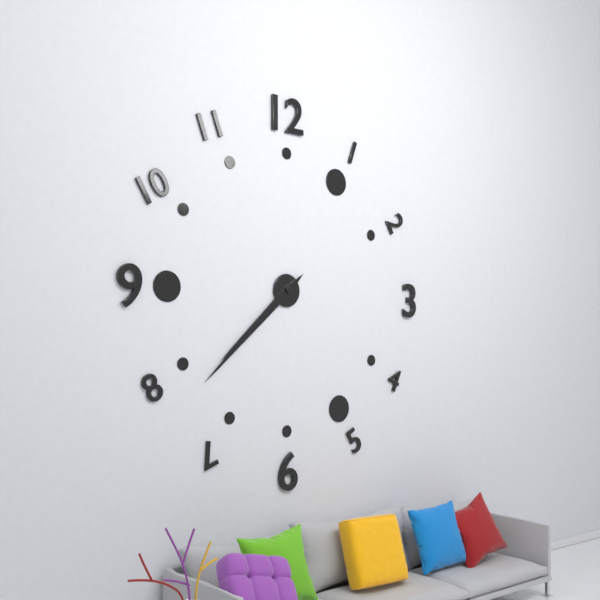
**7:38**
